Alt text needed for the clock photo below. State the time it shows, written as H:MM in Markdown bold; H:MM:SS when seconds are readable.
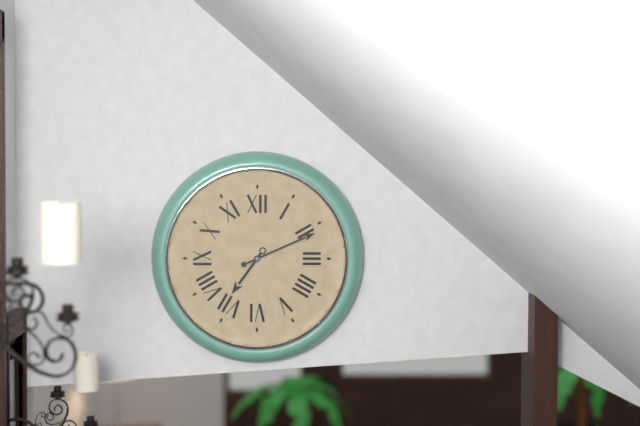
**7:11**
